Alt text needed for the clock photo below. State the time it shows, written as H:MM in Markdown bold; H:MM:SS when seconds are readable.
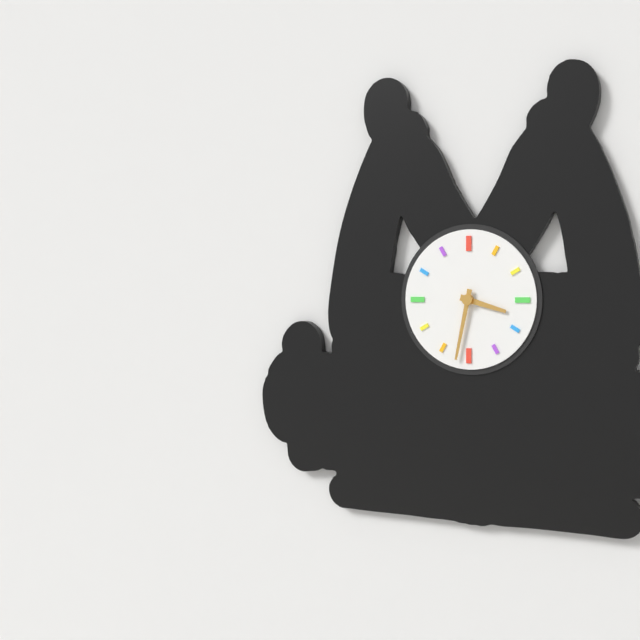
**3:32**
